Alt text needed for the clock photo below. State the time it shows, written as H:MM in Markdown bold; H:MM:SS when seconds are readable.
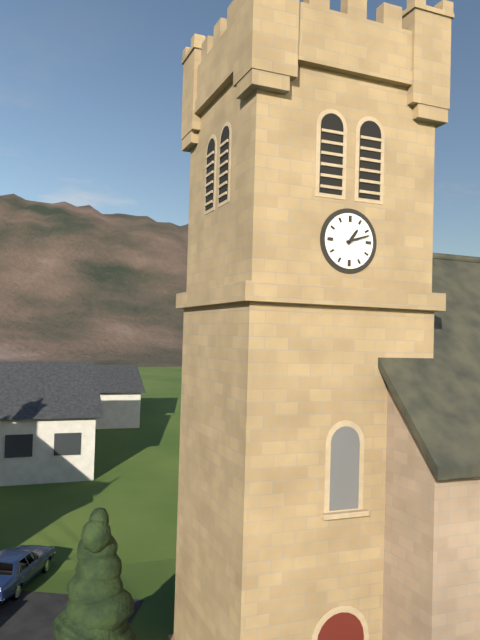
**1:12**
